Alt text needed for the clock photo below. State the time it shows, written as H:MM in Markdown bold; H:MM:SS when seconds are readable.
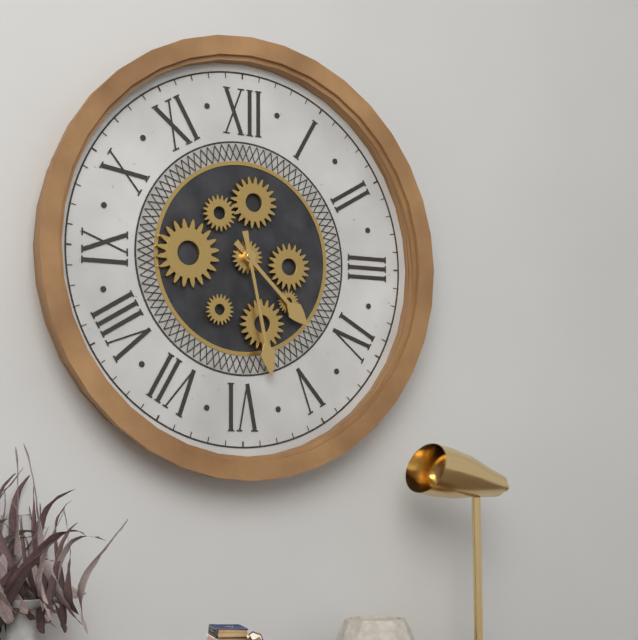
**4:28**
